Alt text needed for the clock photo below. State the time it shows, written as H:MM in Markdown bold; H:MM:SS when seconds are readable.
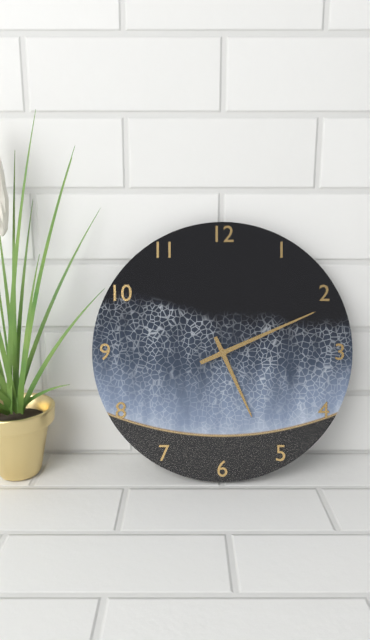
**5:11**
